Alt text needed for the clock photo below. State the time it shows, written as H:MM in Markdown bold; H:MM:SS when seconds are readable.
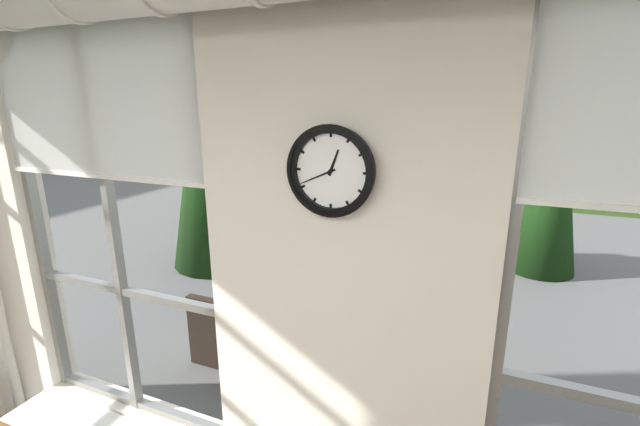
**12:41**
